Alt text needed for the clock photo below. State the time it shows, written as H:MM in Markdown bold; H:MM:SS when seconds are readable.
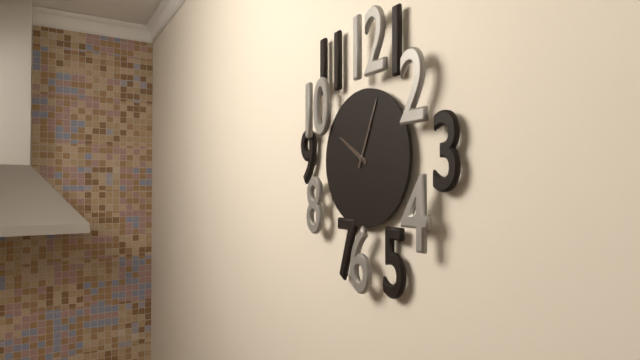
**10:04**
